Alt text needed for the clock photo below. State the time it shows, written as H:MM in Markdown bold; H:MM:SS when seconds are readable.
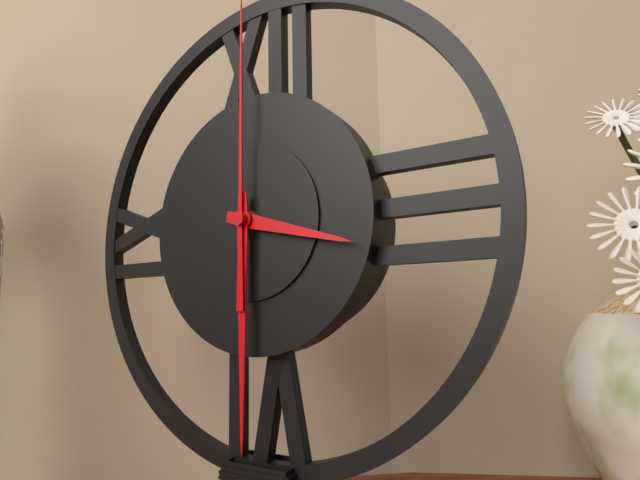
**3:30**
